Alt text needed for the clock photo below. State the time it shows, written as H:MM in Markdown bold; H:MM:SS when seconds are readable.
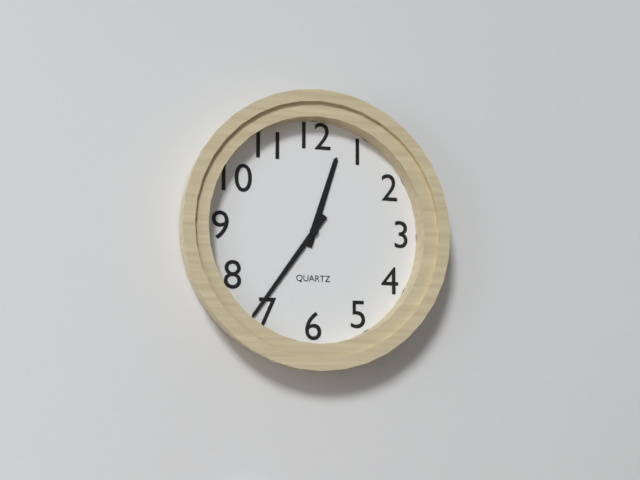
**12:36**
